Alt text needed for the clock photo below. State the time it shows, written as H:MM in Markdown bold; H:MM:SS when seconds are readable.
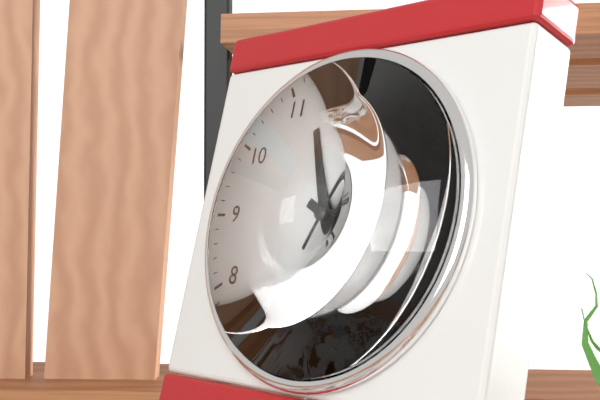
**11:20:04**
